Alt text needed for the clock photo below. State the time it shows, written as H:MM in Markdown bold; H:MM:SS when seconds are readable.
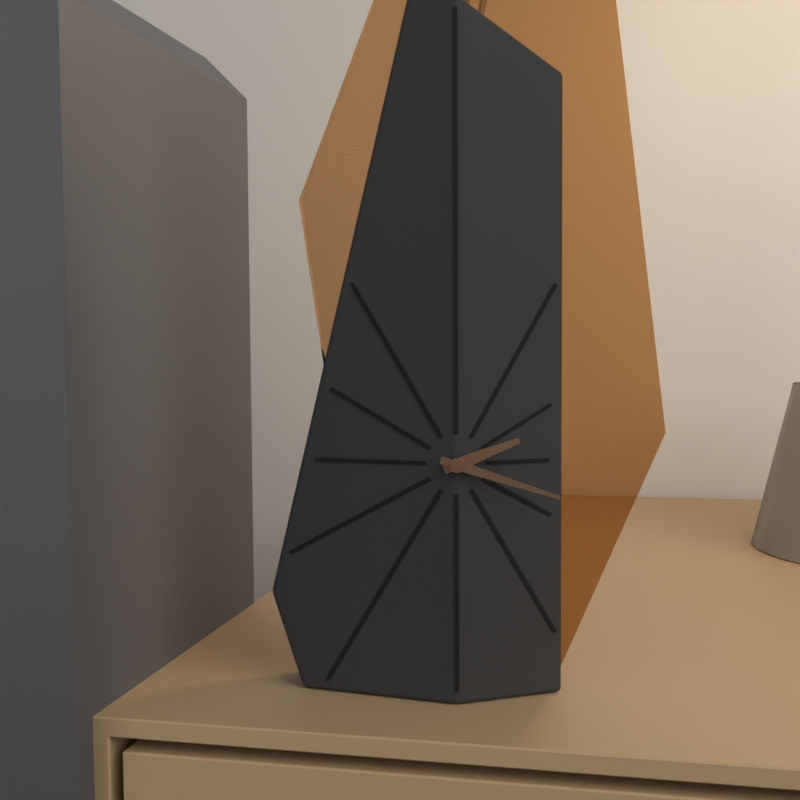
**2:18**
